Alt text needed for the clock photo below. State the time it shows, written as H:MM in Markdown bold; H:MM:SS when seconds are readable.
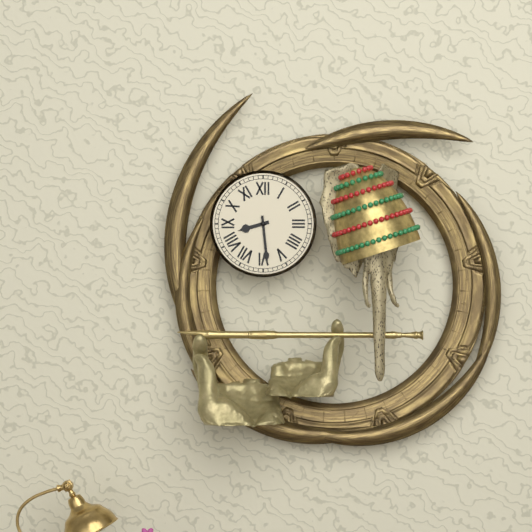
**8:29**
